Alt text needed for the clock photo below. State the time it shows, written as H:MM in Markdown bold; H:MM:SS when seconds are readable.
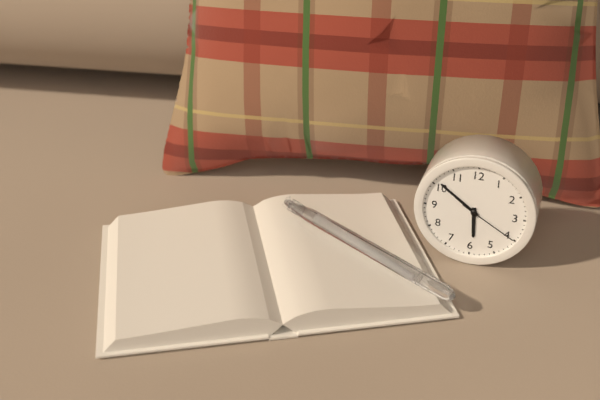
**5:51:20**
